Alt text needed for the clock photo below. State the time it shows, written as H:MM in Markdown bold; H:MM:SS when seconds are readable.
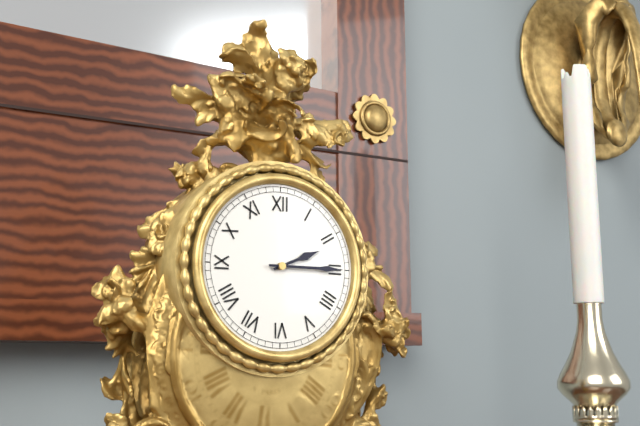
**2:15**
